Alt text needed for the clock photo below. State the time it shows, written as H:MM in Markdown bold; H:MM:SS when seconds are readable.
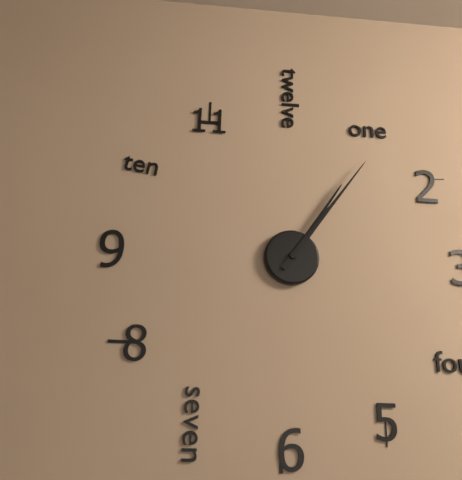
**1:06**
